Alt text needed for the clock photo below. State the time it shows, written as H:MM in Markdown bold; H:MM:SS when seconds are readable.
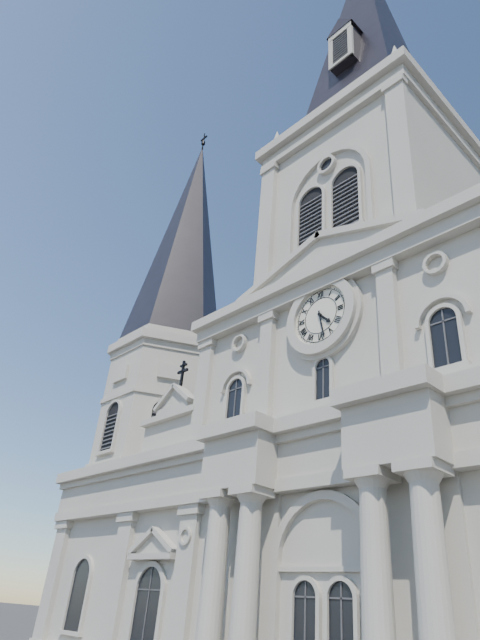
**4:28**
